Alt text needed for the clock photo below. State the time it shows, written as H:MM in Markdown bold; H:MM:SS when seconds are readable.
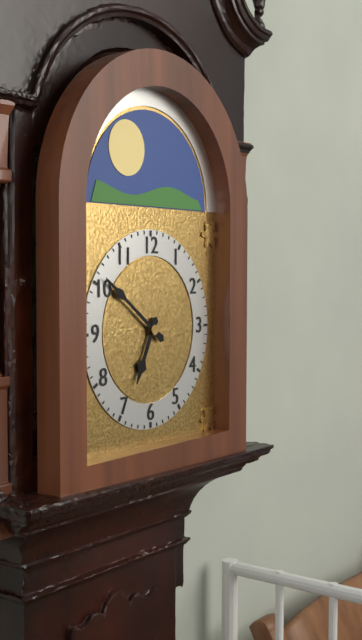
**6:51**
